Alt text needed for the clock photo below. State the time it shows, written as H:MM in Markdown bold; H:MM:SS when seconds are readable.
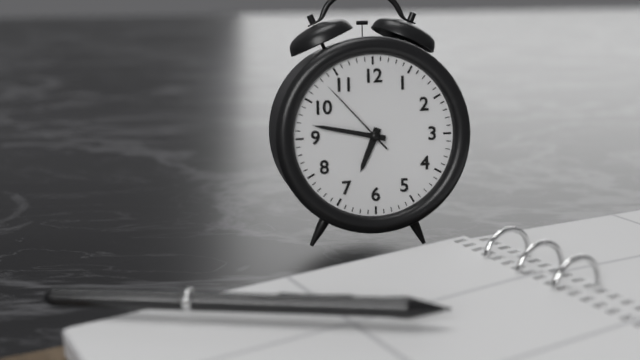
**6:47:53**
